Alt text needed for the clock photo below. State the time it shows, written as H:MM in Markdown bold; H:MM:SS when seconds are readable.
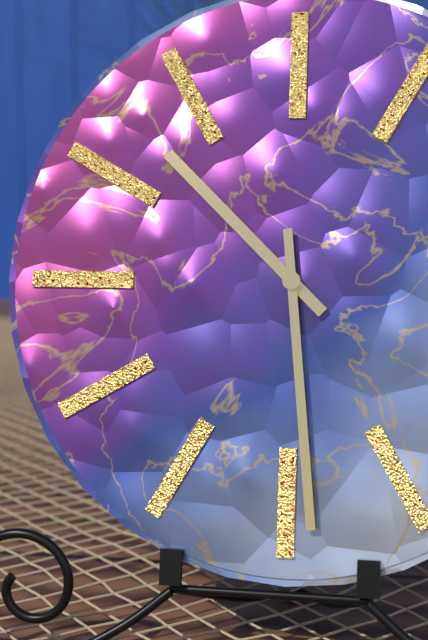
**10:29**
